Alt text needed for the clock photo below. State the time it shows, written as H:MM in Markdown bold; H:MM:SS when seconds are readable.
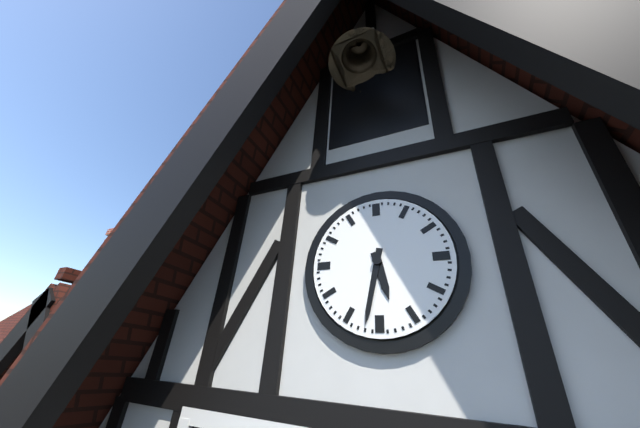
**5:32**
